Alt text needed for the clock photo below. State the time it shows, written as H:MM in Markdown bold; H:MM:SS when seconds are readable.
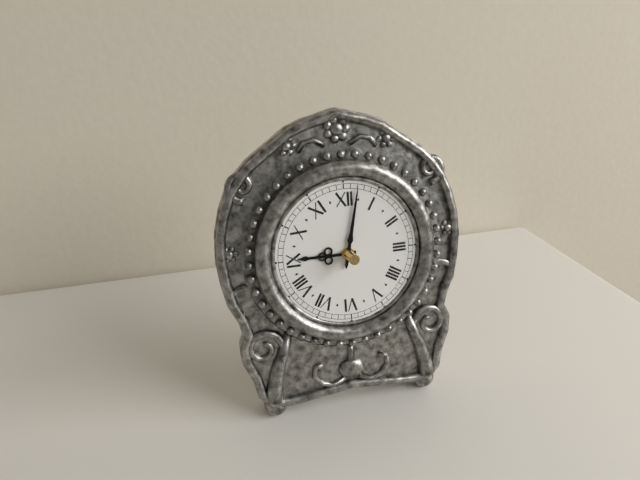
**9:02**
